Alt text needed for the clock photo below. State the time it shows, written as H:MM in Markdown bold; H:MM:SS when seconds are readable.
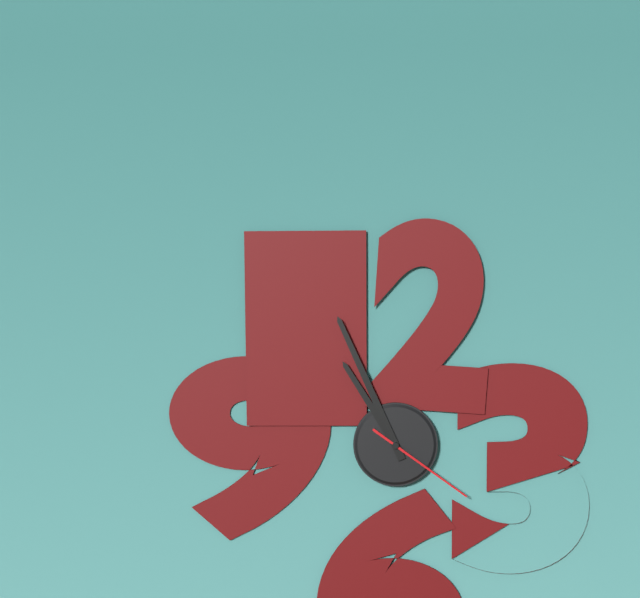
**10:56:21**
